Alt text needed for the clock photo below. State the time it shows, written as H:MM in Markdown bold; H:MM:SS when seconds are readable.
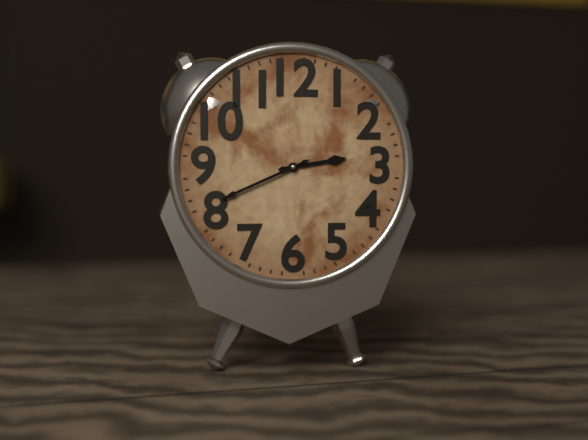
**2:41**
